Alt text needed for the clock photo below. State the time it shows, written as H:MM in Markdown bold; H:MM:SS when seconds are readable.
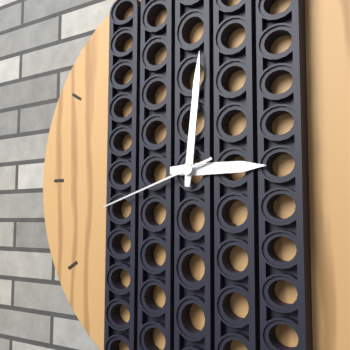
**3:01:42**
